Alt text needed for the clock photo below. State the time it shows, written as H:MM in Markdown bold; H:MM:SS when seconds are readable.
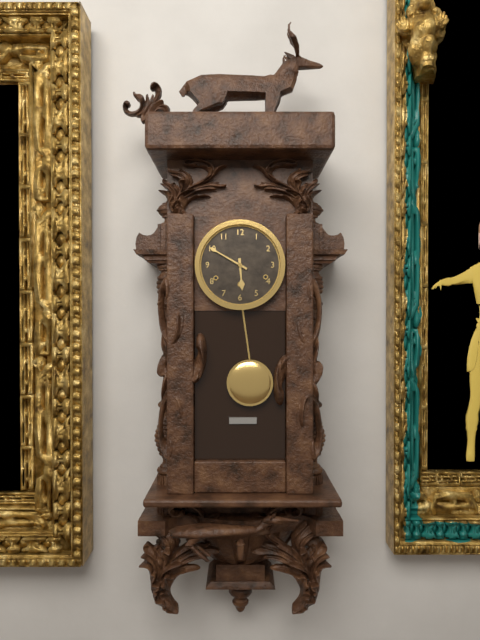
**5:50**
